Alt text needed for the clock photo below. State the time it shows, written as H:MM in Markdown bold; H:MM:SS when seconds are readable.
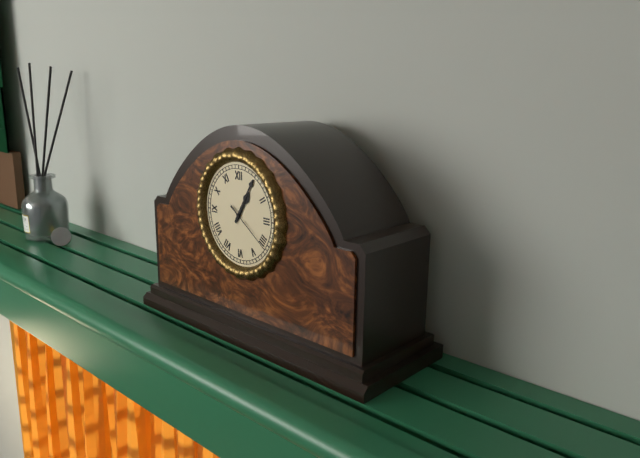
**1:05:21**
